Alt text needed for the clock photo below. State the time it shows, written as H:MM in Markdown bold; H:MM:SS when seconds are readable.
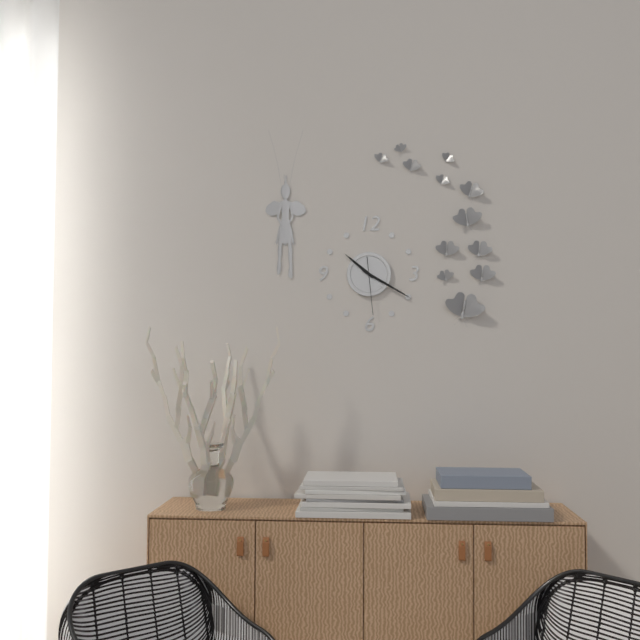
**10:20:29**
